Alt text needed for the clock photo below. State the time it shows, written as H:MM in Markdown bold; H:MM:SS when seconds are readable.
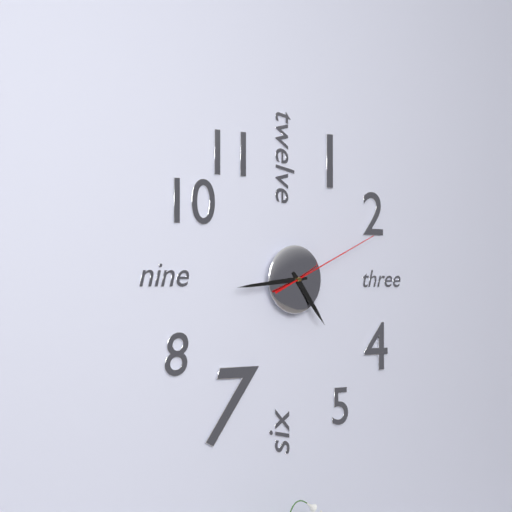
**4:44:11**
